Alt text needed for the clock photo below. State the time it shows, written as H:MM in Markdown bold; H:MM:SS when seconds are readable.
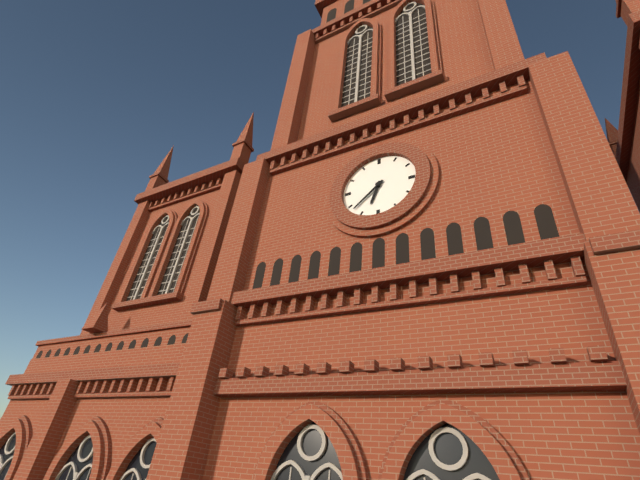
**6:38**
